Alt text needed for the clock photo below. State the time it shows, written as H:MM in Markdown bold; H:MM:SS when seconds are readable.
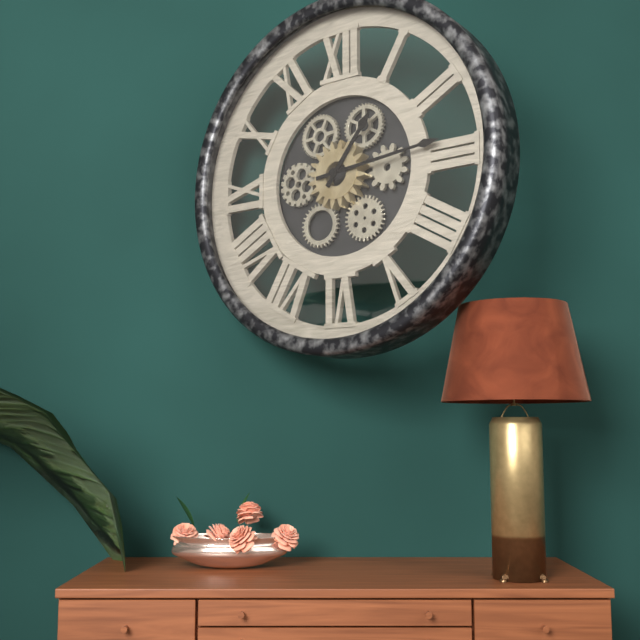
**1:14**
